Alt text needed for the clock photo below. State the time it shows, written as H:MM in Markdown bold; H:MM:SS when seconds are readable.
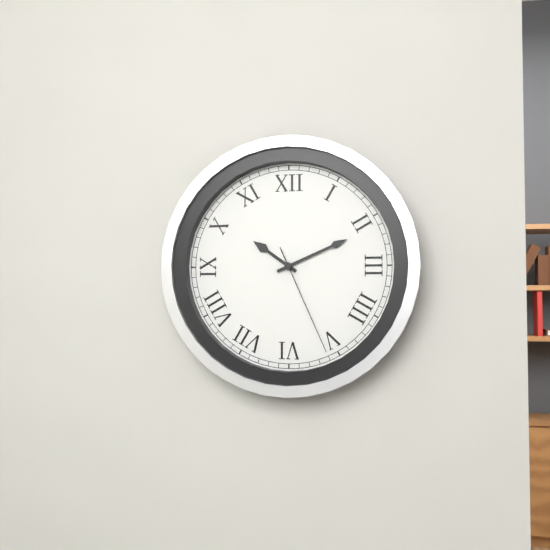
**10:11:26**
